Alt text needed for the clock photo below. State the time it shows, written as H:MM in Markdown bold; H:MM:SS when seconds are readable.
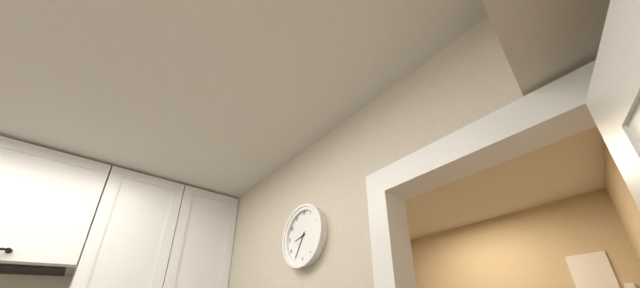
**8:35**
